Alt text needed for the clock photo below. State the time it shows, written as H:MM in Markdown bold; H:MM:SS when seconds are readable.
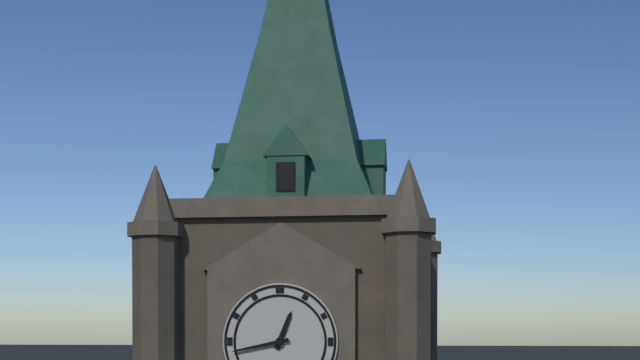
**12:43**
